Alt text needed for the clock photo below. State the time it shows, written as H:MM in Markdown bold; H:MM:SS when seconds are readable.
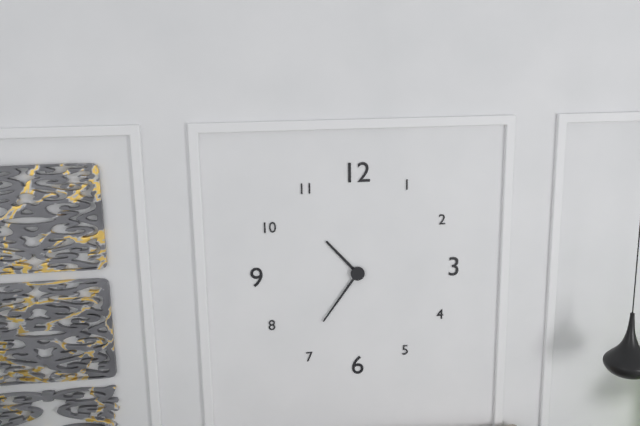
**10:36**
